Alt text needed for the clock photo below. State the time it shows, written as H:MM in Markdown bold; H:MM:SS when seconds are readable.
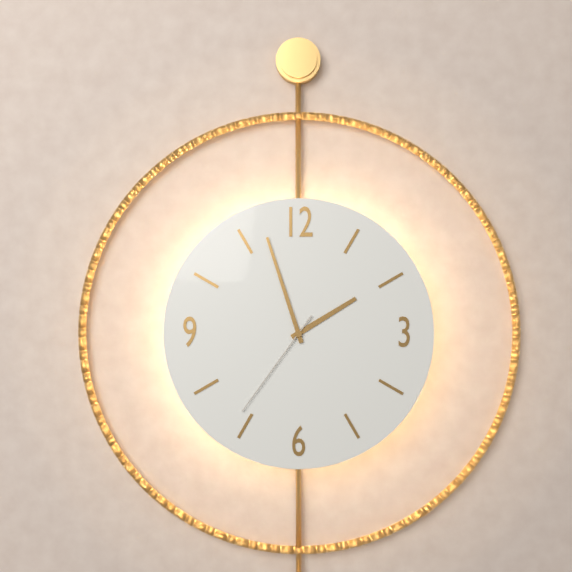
**1:57:36**
